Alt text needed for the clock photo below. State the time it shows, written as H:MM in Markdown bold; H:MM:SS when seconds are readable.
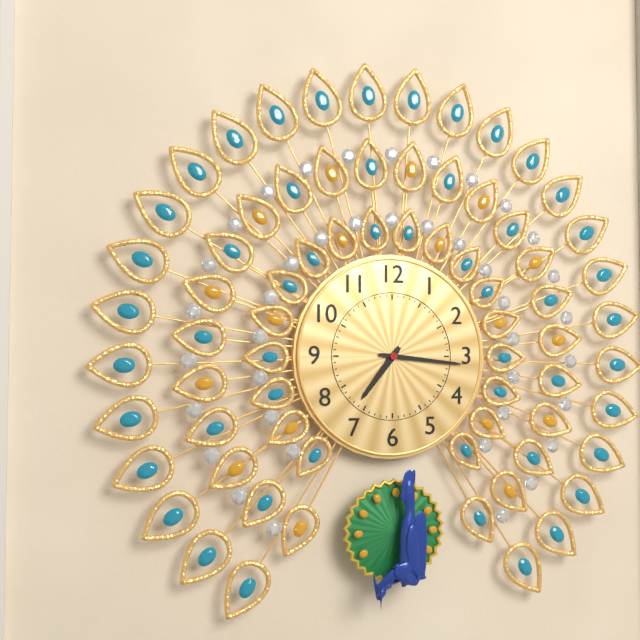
**7:16**
